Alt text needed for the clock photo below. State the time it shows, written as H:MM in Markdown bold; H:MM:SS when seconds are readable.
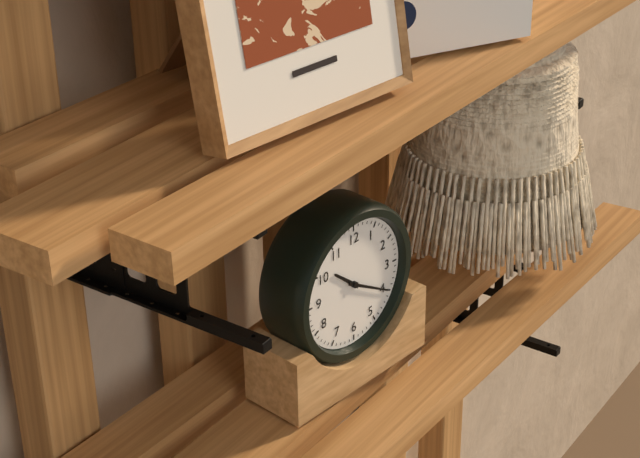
**10:20**
